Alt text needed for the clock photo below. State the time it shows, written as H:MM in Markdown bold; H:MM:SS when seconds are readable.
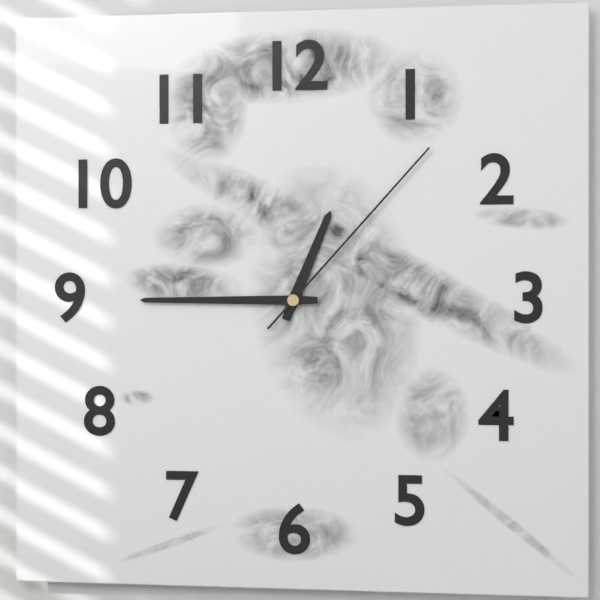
**12:45:07**
